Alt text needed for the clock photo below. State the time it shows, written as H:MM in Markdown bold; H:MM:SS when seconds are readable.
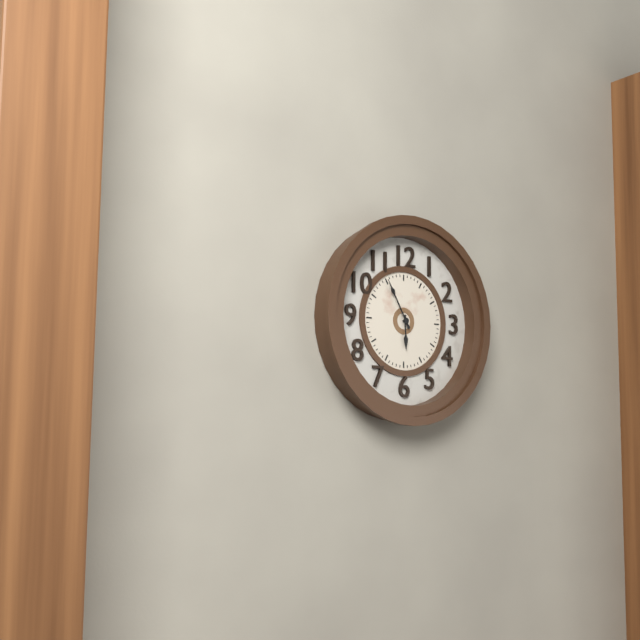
**5:55**
